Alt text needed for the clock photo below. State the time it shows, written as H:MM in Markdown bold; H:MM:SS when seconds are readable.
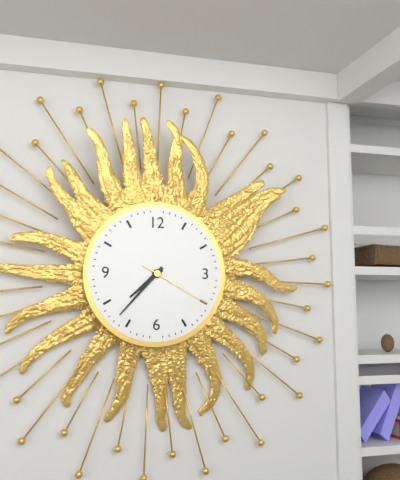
**7:37:20**
